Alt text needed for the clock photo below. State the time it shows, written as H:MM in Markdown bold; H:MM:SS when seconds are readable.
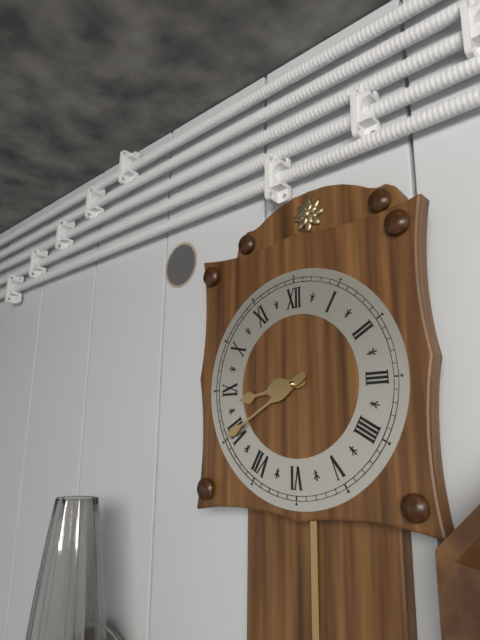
**8:40**
